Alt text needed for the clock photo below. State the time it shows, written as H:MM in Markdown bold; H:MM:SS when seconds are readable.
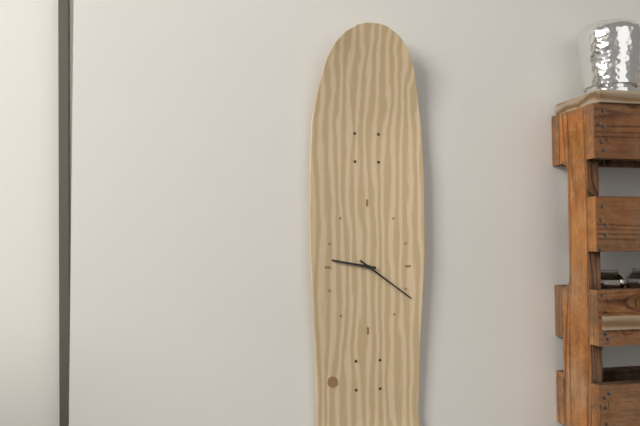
**9:21**
